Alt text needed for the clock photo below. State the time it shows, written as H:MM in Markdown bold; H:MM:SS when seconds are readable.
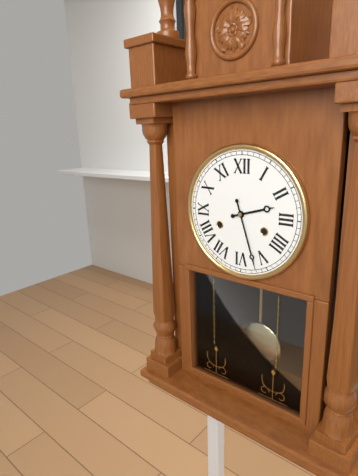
**2:27**
